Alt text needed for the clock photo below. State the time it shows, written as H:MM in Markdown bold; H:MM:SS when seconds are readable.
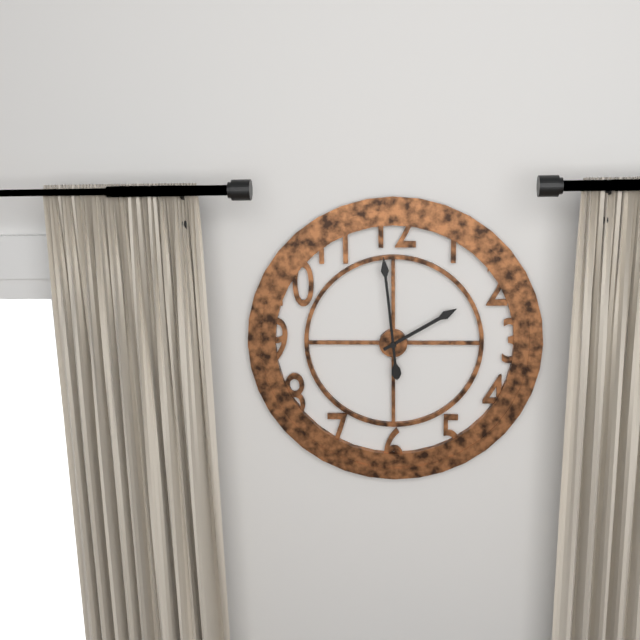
**1:59**
